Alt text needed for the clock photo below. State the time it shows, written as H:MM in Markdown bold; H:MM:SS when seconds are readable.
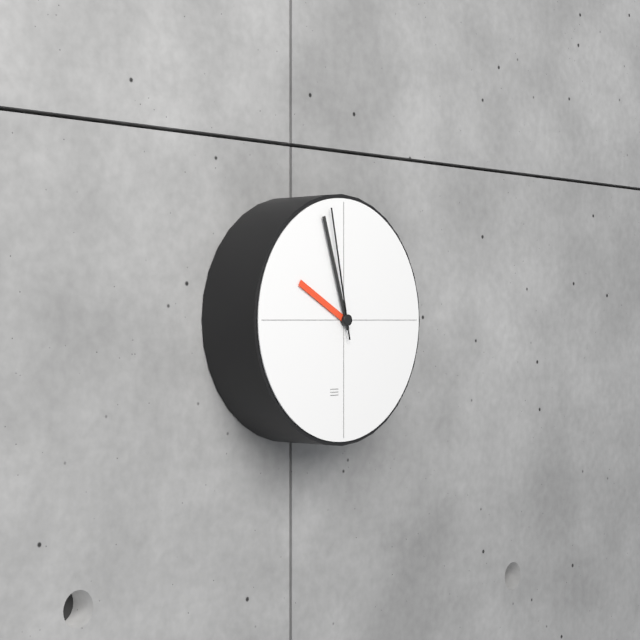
**9:57:58**
